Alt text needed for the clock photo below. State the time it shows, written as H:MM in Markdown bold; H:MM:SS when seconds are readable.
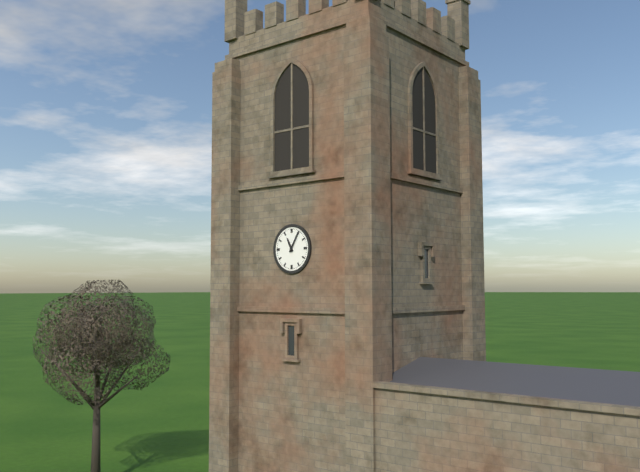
**11:05**
